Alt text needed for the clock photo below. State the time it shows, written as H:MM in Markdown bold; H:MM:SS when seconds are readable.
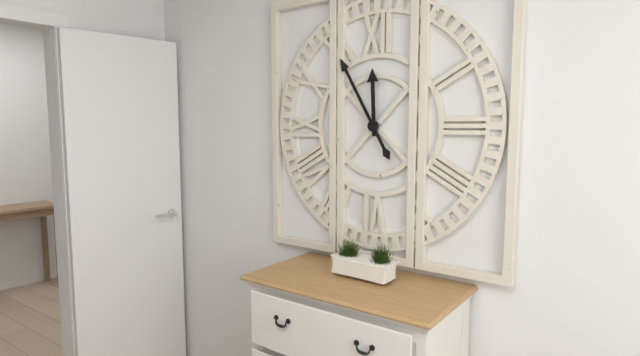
**11:55**
